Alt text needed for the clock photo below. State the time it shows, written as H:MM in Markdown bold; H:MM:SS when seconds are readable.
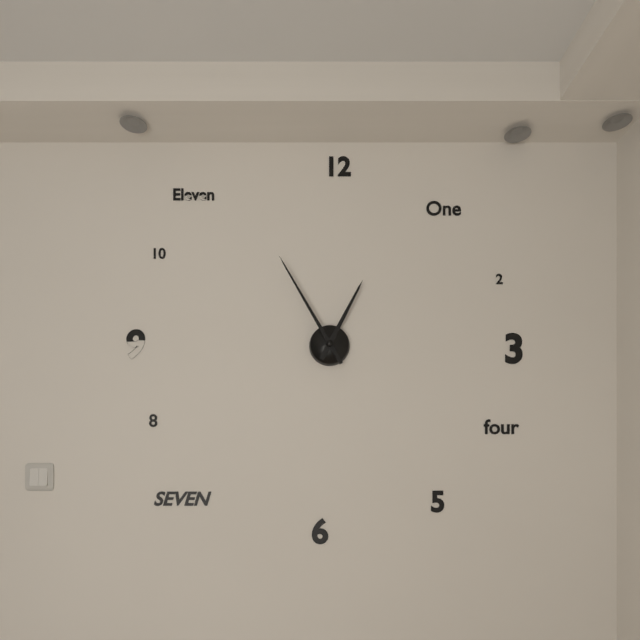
**12:55**
